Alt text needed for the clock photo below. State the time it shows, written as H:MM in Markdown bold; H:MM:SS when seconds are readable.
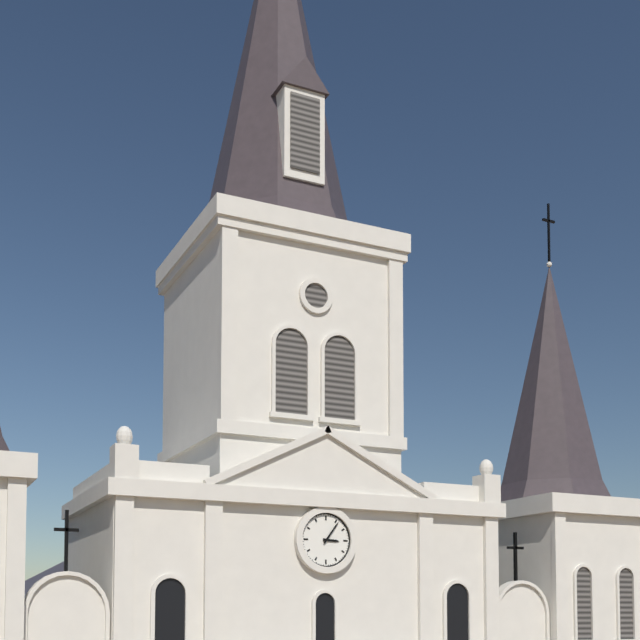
**3:06**
